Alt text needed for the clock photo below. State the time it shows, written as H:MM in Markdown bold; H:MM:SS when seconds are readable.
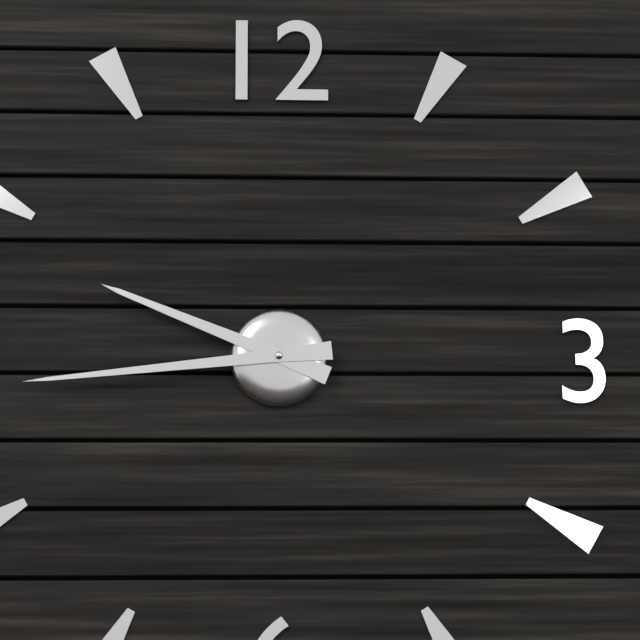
**9:44**
